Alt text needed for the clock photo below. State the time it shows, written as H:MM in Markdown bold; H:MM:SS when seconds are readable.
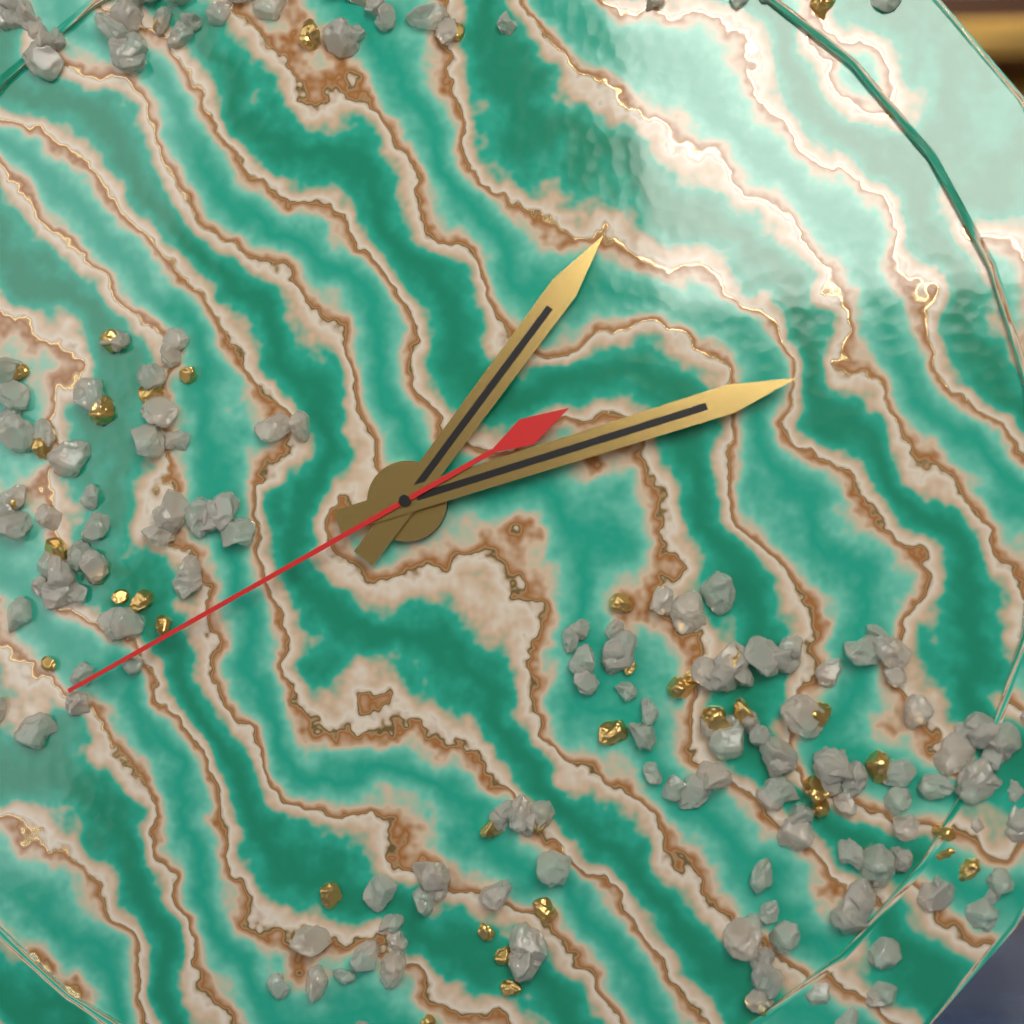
**1:12:40**
